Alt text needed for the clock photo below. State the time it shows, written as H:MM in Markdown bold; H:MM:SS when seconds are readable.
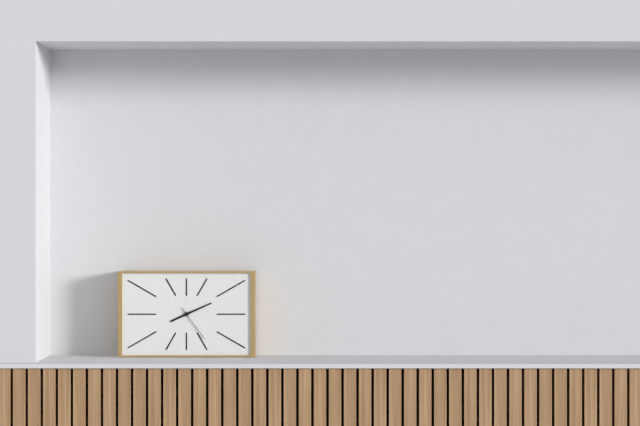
**8:11**
